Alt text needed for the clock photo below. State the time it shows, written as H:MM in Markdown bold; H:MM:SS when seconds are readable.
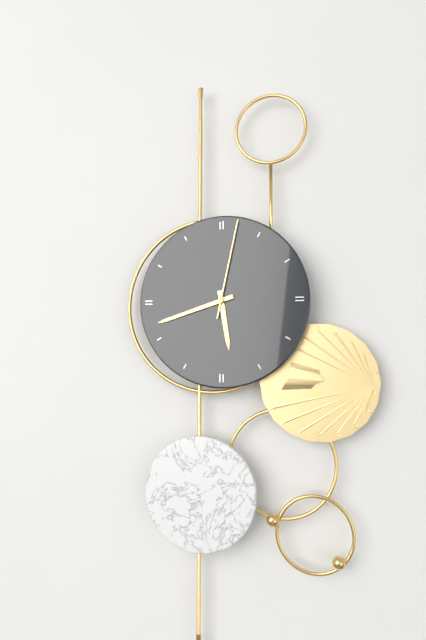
**5:42:02**
